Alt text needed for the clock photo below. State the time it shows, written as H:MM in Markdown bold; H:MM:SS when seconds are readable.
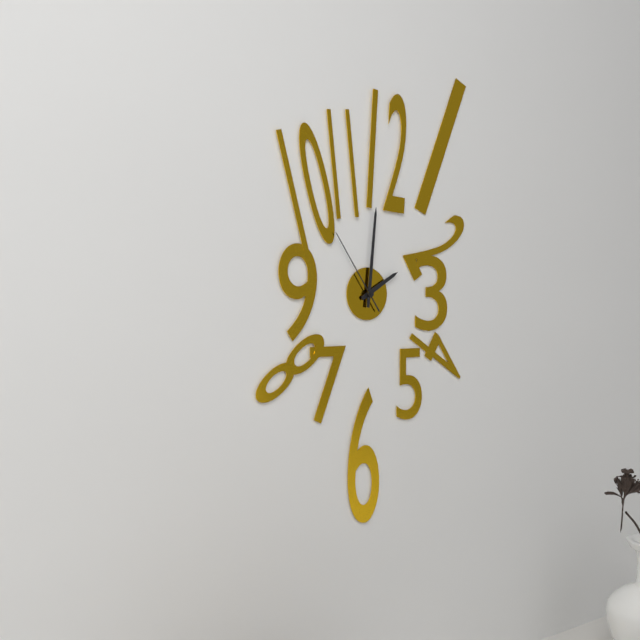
**2:01:54**
